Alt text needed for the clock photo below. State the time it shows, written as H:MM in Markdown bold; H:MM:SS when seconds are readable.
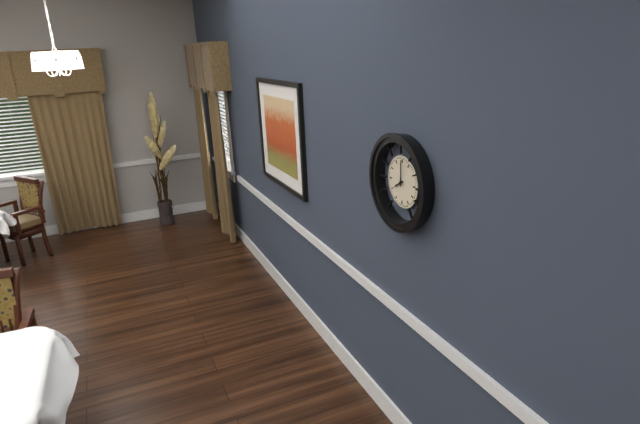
**8:00**
